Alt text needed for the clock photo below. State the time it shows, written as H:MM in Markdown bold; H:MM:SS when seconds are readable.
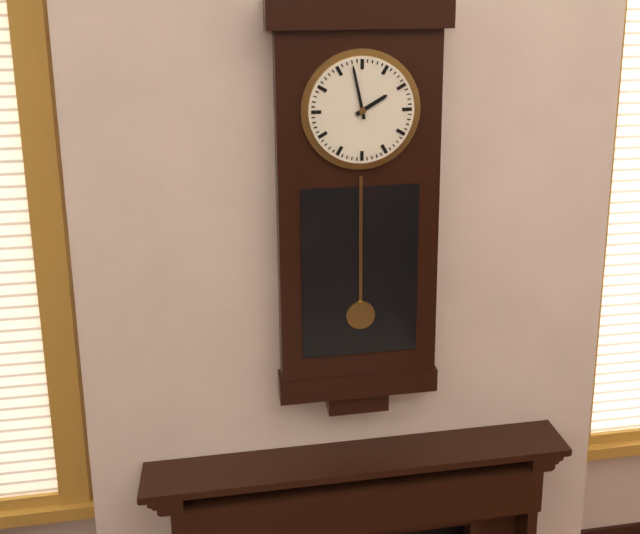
**1:58**
